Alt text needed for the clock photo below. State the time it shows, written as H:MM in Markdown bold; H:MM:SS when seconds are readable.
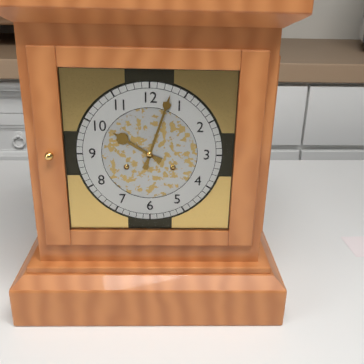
**10:03**
